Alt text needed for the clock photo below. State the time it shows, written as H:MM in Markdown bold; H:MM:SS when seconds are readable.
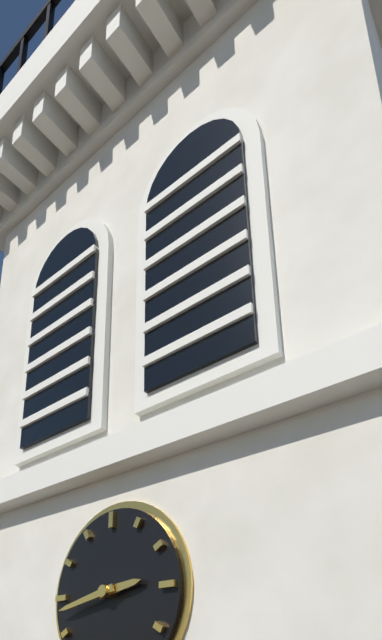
**2:43**
